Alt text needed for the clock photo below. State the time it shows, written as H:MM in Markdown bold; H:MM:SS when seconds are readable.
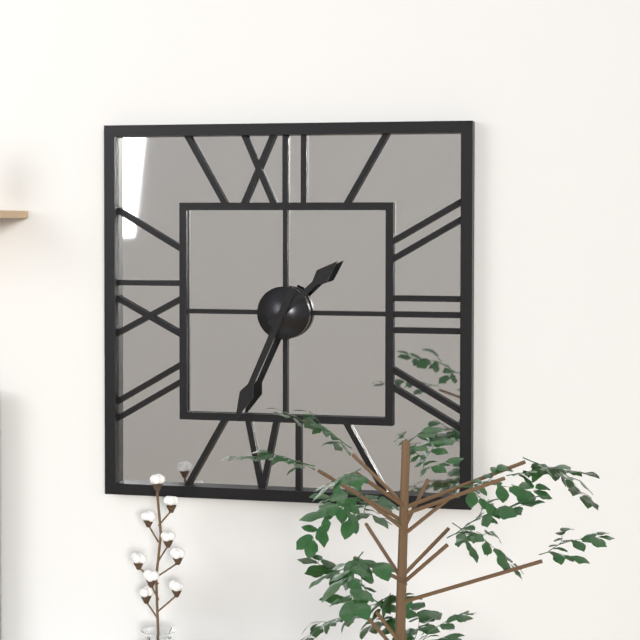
**1:34**
